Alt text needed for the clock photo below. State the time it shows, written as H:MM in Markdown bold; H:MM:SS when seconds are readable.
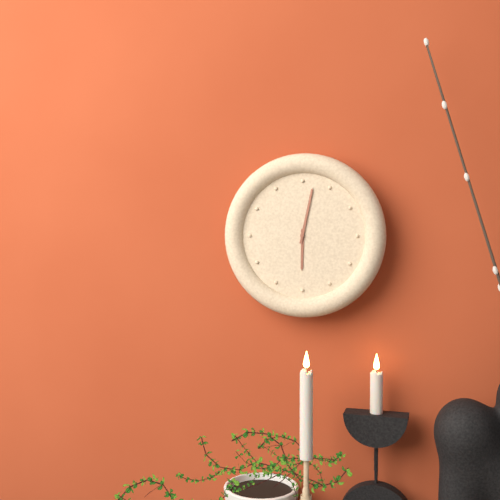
**6:02**
